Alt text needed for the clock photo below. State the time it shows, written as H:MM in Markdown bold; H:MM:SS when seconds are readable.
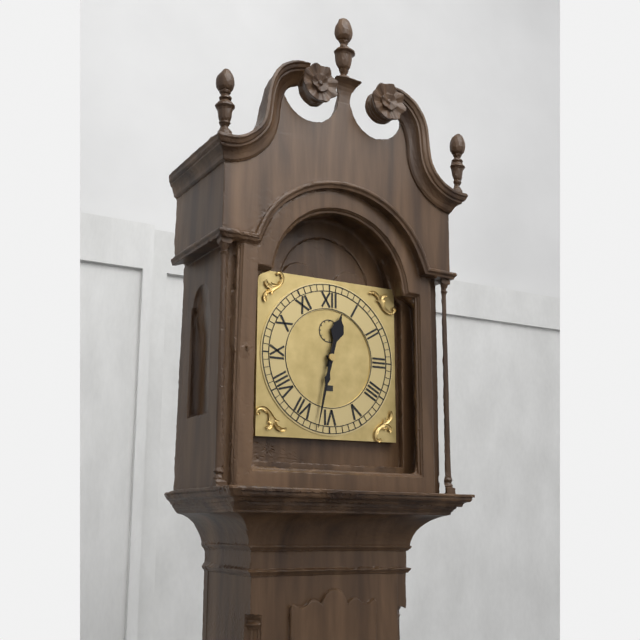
**12:32**
